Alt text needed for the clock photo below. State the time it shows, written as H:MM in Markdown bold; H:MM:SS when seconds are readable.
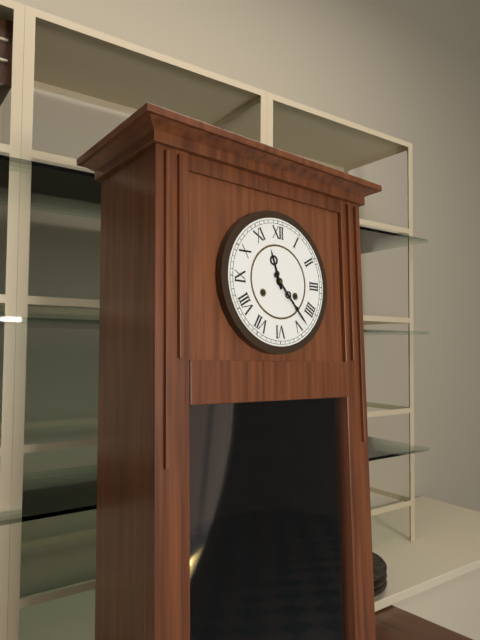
**11:23**
